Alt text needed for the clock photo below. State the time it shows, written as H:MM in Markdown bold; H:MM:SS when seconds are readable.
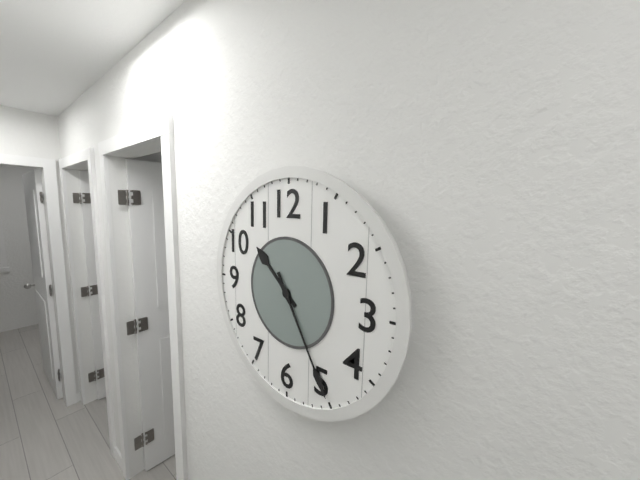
**10:25**
